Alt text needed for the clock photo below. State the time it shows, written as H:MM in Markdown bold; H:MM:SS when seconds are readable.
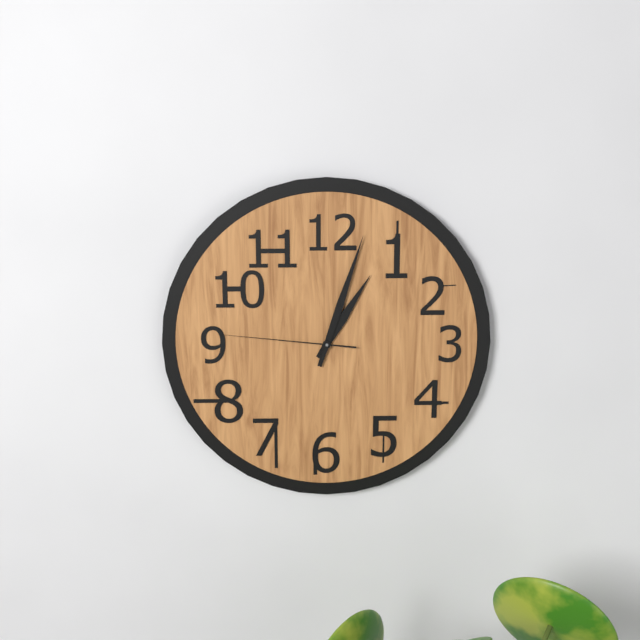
**1:03:46**
